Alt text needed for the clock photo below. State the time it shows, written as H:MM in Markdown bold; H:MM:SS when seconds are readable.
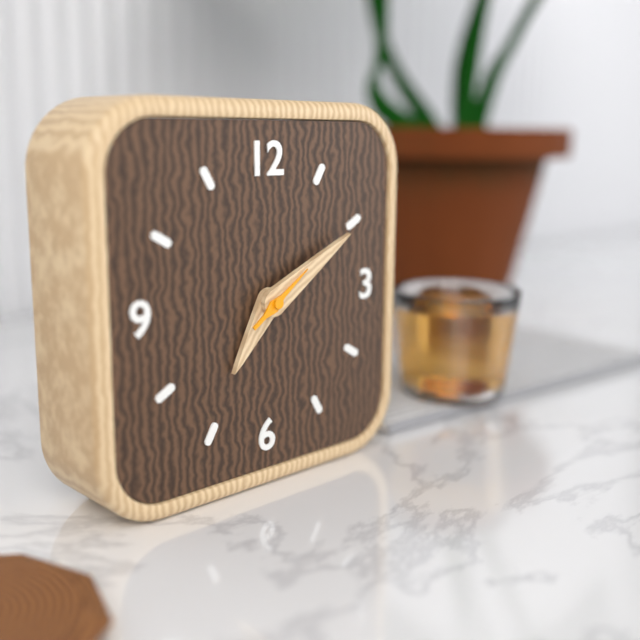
**7:10:09**
